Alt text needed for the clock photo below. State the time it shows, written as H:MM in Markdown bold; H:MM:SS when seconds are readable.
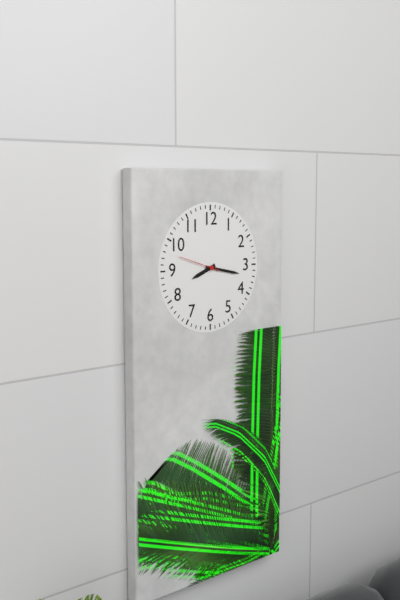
**8:17**
